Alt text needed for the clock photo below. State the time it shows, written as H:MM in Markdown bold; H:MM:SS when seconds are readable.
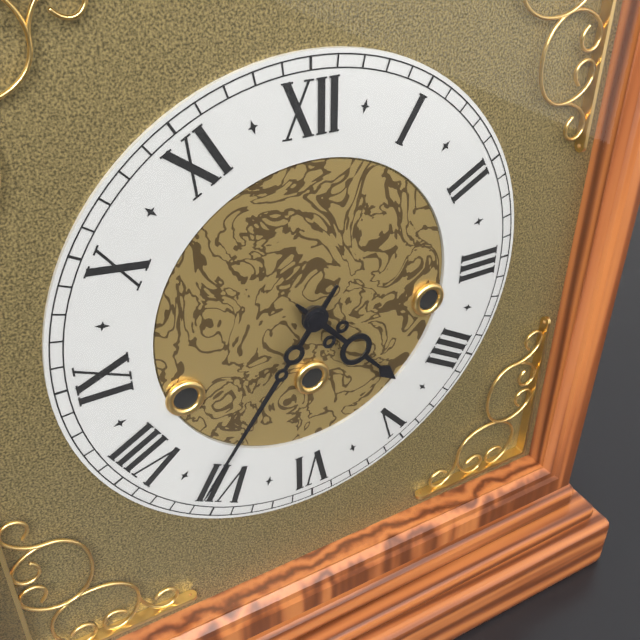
**4:36**
